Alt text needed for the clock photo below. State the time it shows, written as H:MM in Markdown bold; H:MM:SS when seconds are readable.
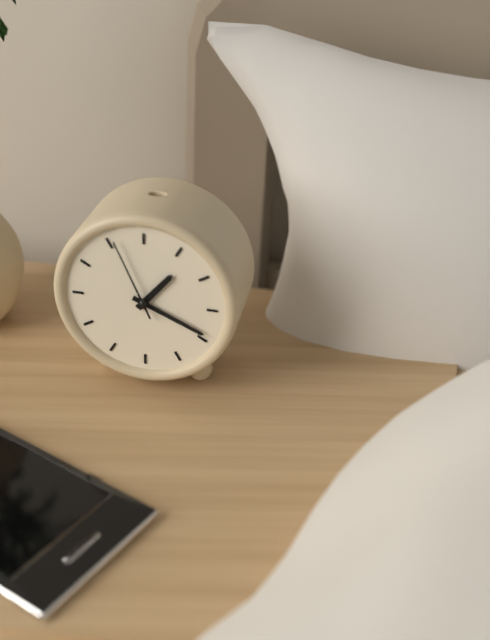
**1:19:56**
